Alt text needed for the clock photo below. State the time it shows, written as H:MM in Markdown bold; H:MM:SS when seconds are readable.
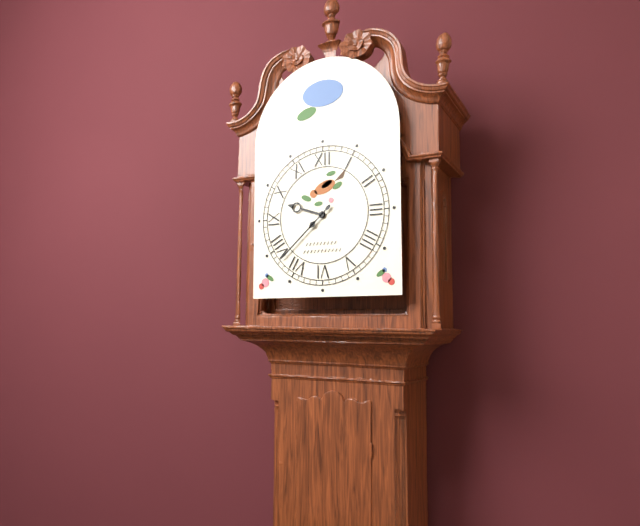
**9:38**
